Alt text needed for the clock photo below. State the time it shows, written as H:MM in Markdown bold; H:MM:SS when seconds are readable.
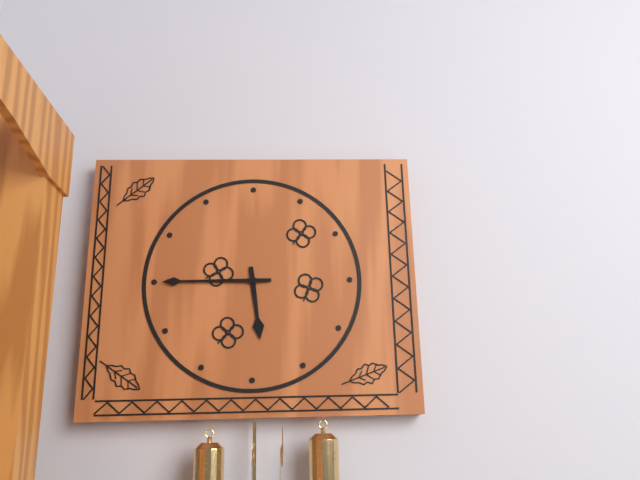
**5:45**
